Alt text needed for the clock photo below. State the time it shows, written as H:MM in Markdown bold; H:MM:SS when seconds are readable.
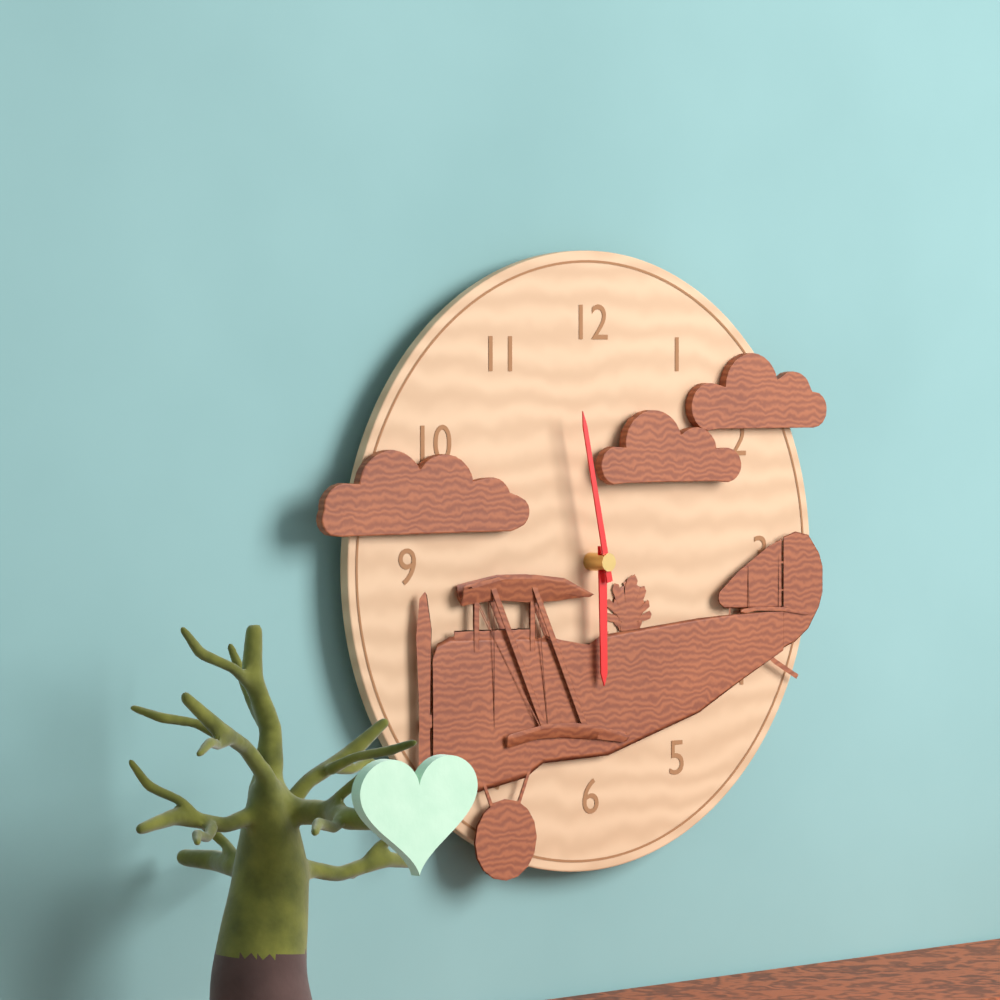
**5:58**
